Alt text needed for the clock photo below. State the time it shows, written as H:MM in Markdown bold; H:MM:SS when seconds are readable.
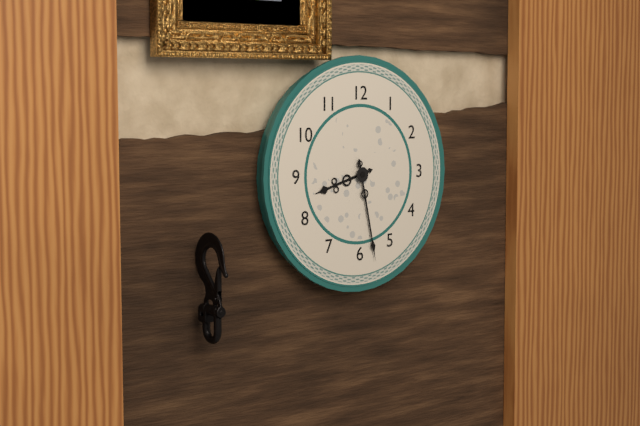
**8:28**
